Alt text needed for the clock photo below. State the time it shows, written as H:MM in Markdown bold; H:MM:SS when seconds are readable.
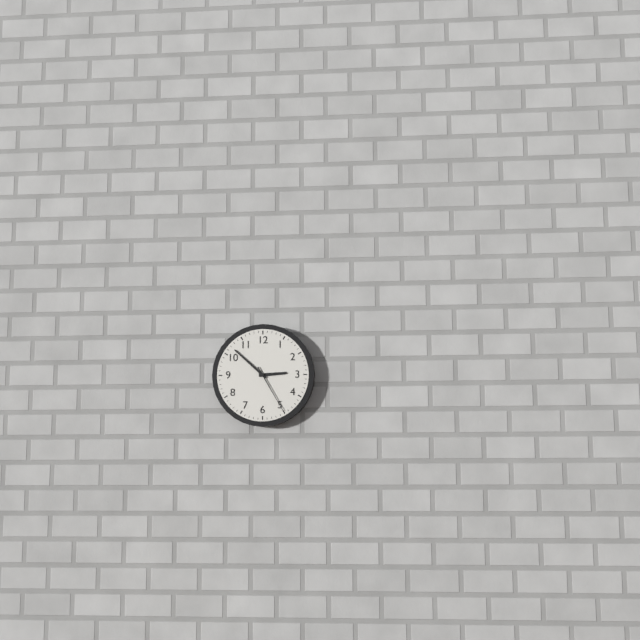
**2:52:25**
